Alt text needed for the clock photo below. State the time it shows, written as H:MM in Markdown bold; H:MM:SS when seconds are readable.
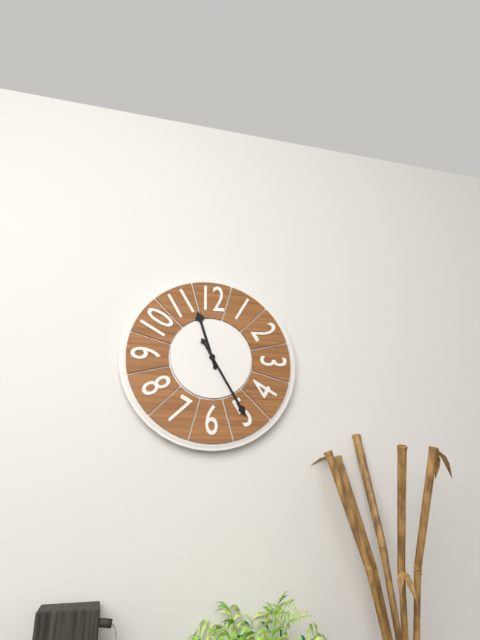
**11:25**
